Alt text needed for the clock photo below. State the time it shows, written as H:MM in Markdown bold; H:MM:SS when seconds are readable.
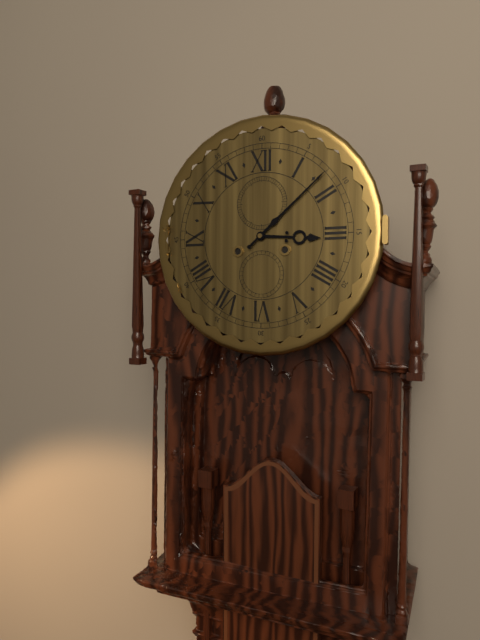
**3:08**
